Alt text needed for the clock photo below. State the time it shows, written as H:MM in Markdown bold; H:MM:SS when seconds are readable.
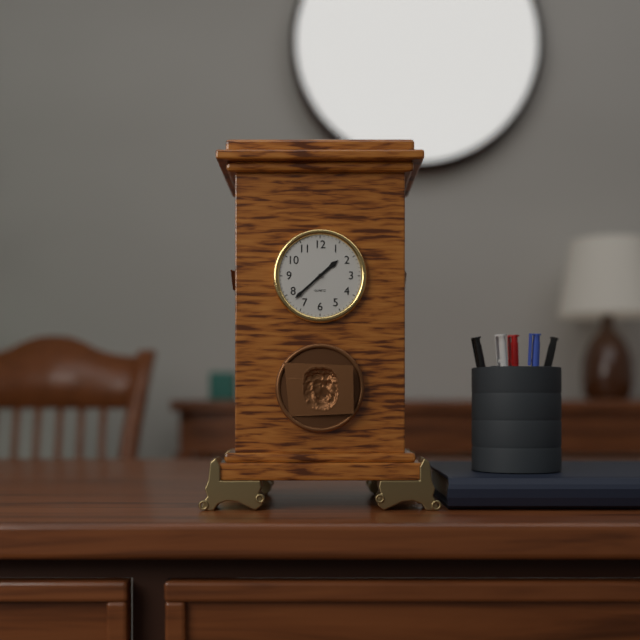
**1:38**
